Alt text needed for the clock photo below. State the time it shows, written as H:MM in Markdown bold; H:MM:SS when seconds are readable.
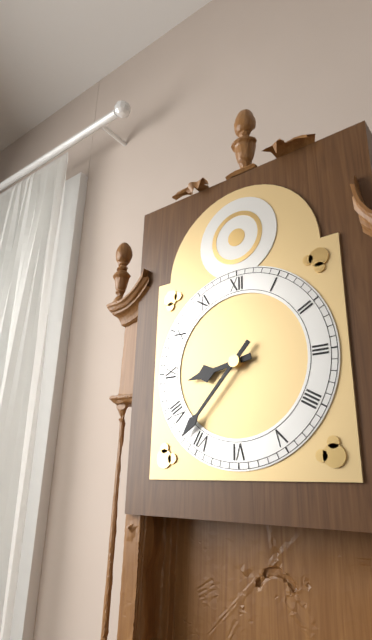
**8:37**
